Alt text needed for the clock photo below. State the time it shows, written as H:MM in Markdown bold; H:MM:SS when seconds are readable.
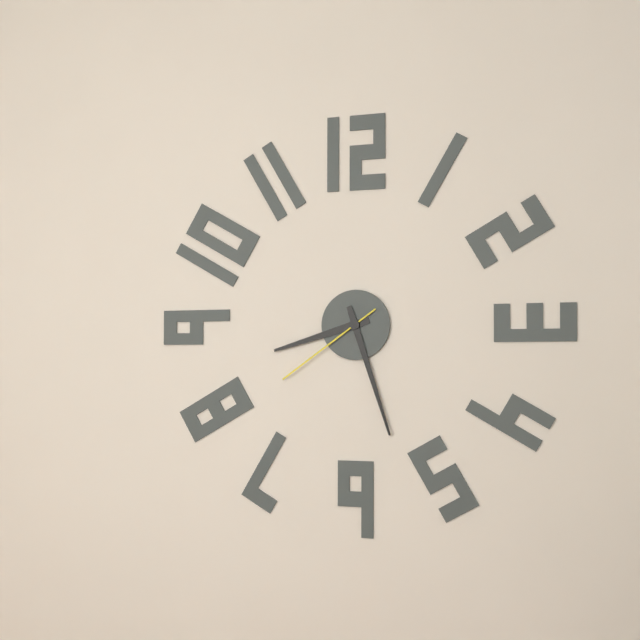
**8:27:39**
